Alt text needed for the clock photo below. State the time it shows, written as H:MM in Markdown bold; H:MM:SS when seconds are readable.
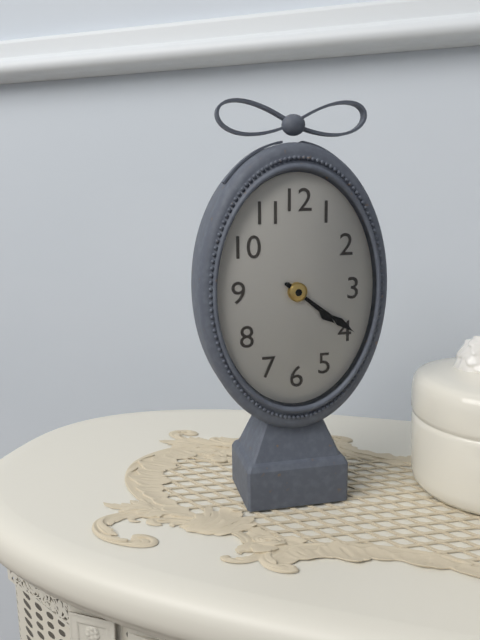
**4:21**
